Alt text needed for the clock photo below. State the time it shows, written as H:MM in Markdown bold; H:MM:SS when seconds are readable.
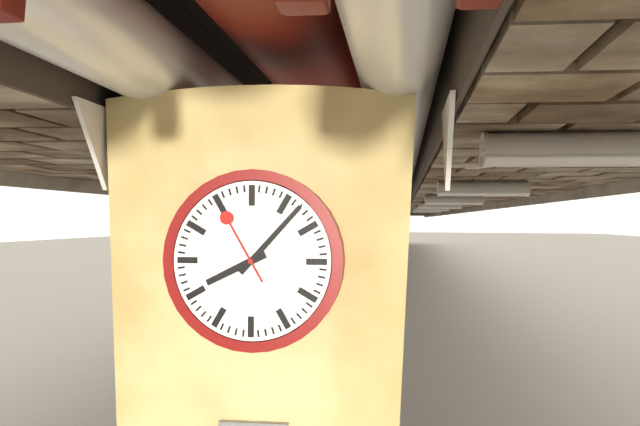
**8:07:55**
